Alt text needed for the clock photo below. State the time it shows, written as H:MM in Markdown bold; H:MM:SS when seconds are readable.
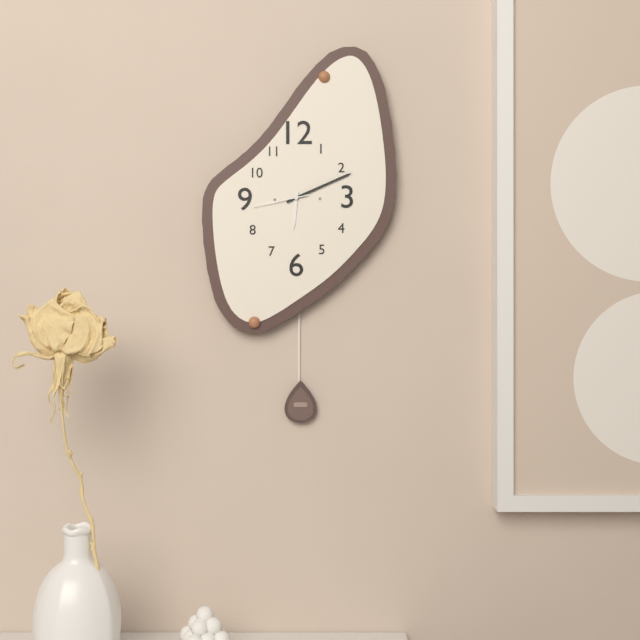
**6:11:43**
